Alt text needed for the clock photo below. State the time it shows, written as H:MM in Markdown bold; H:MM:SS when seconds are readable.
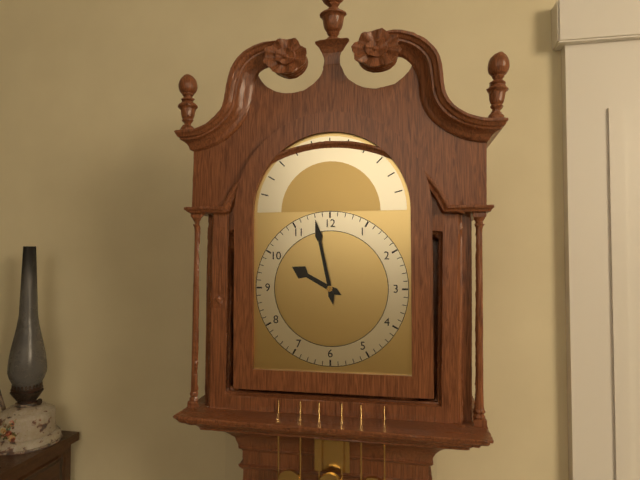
**9:58**
